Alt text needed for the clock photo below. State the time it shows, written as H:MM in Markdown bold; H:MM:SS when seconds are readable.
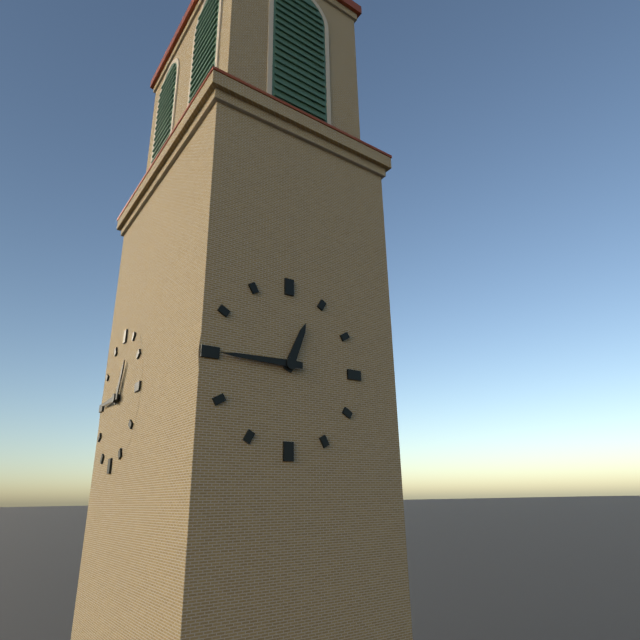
**12:45**
